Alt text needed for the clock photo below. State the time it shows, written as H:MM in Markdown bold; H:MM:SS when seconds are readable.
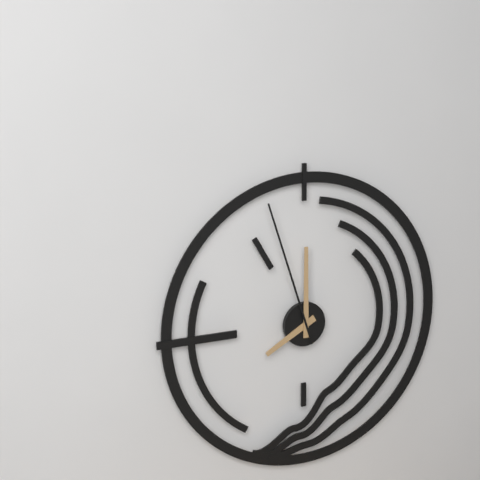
**8:00:57**
